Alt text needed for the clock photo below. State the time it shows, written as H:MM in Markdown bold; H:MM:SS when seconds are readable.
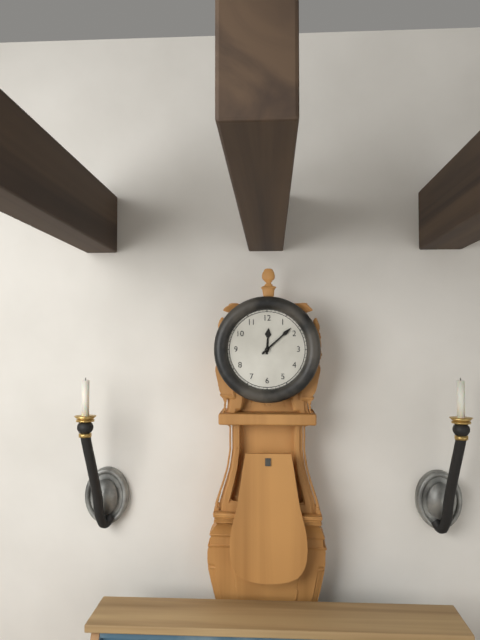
**12:08**
